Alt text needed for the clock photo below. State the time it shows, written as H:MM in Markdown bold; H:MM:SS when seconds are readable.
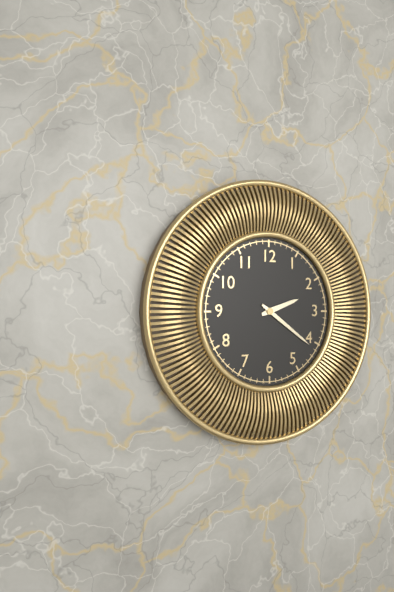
**2:21**
